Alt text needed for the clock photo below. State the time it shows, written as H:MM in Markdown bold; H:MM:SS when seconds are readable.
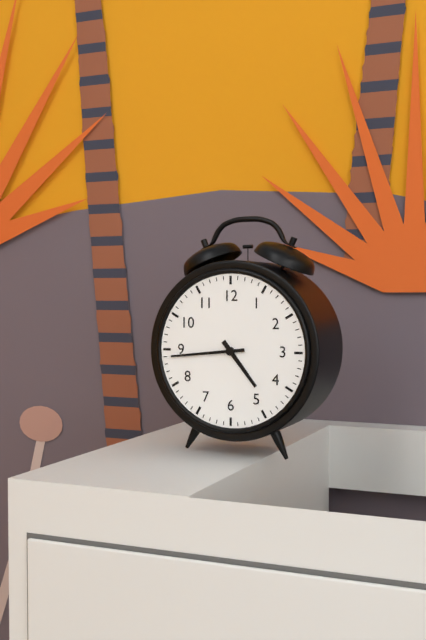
**4:44**
